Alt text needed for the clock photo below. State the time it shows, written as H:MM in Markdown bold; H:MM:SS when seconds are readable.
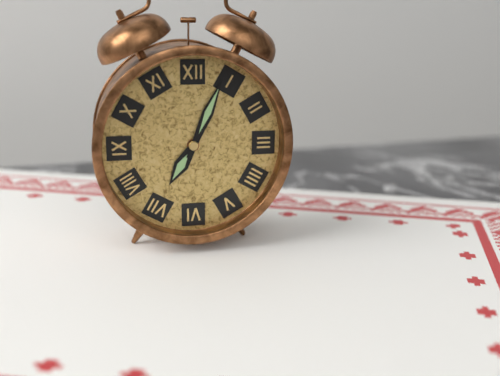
**7:04**
